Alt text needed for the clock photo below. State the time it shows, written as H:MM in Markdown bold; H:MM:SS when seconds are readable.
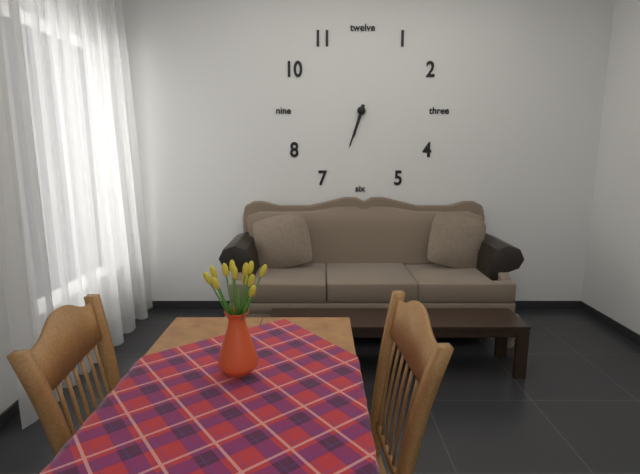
**6:33**
